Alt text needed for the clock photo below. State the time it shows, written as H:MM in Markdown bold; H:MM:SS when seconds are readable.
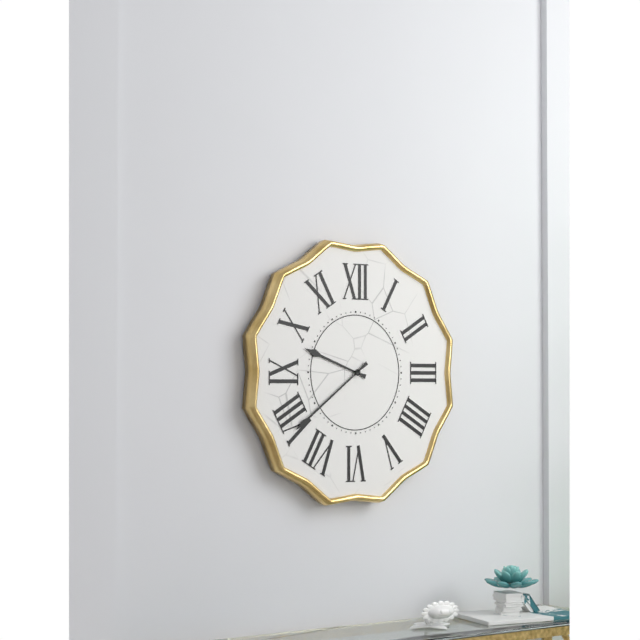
**9:39**
